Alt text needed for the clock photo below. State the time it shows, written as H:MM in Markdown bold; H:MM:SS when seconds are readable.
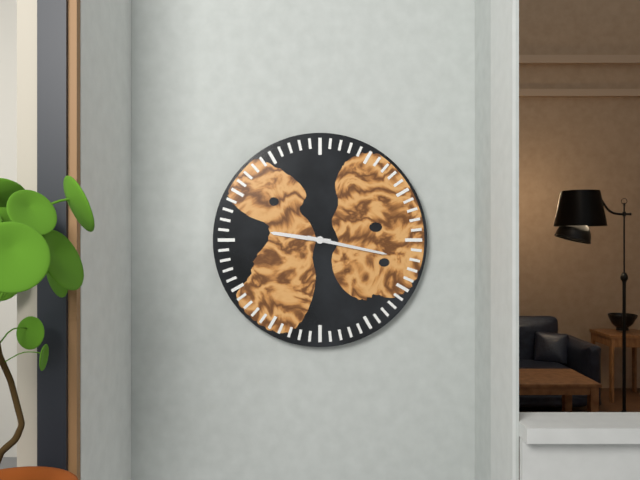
**9:17**
